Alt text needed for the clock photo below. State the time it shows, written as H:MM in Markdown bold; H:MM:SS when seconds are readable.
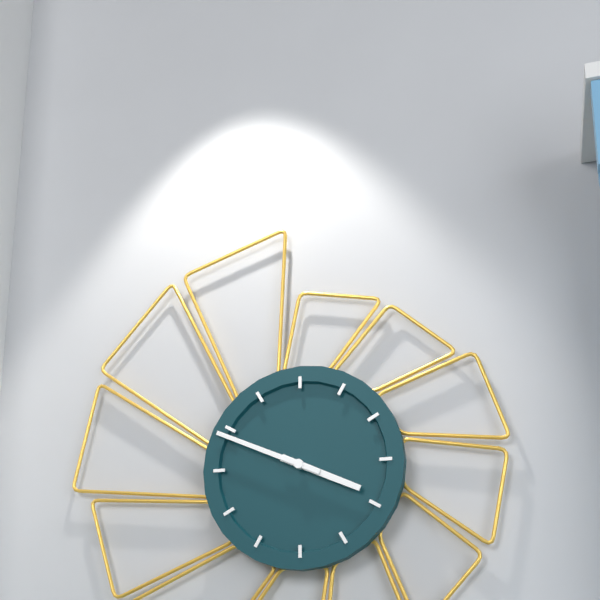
**3:49**
